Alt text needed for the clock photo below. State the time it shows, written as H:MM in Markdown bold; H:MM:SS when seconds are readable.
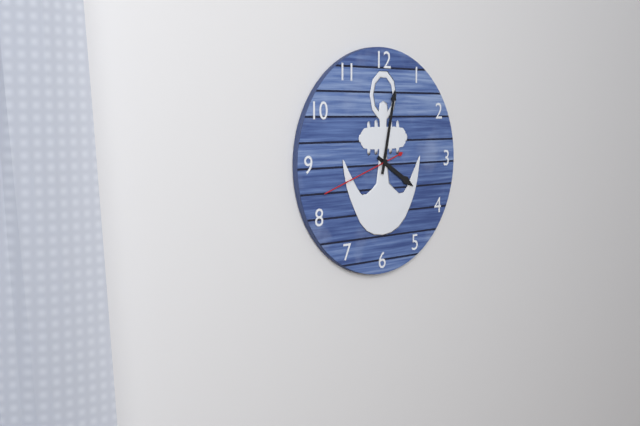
**4:02:42**
